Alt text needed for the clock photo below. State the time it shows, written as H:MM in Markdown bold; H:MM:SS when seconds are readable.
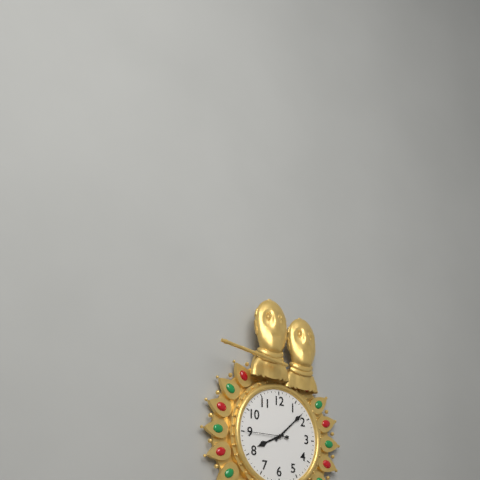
**8:08**
